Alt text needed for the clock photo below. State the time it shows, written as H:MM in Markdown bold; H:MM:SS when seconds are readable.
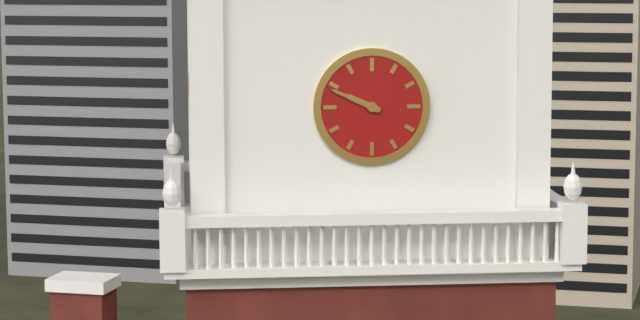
**9:49**
